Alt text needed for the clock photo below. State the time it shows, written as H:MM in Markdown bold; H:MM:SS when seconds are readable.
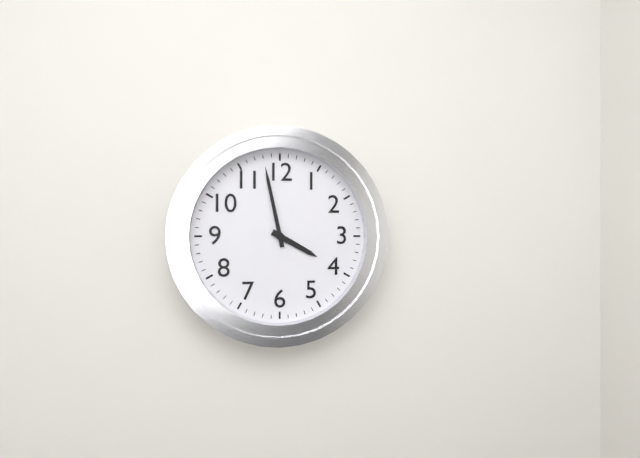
**3:58**
